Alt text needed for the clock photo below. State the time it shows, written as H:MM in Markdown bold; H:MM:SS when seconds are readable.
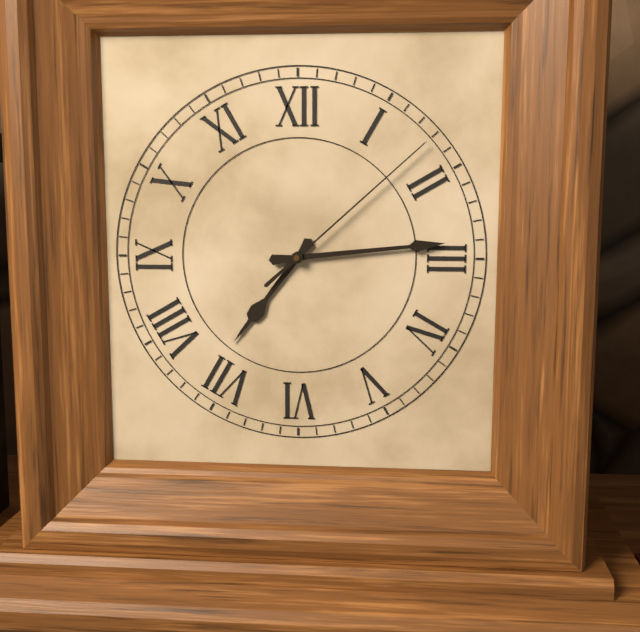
**7:14:08**
